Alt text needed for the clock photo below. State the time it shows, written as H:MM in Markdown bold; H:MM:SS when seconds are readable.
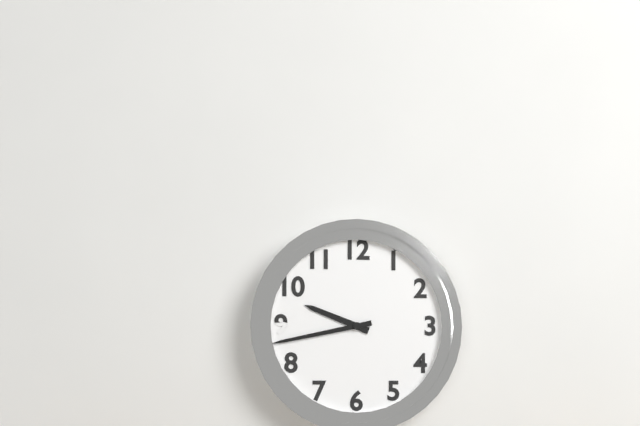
**9:43**
